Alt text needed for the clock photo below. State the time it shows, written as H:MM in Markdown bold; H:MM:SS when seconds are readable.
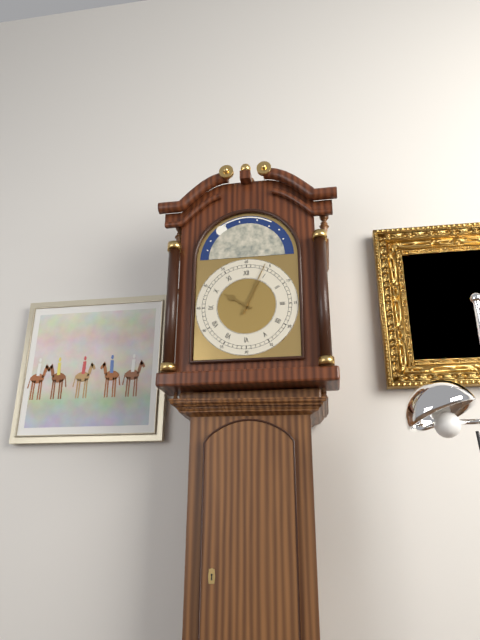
**10:04**
